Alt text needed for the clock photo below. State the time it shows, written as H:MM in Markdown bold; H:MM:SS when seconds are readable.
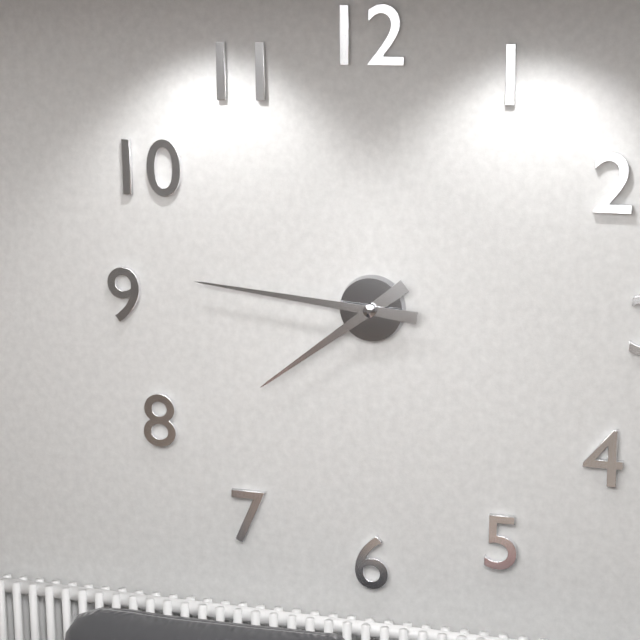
**7:46**
